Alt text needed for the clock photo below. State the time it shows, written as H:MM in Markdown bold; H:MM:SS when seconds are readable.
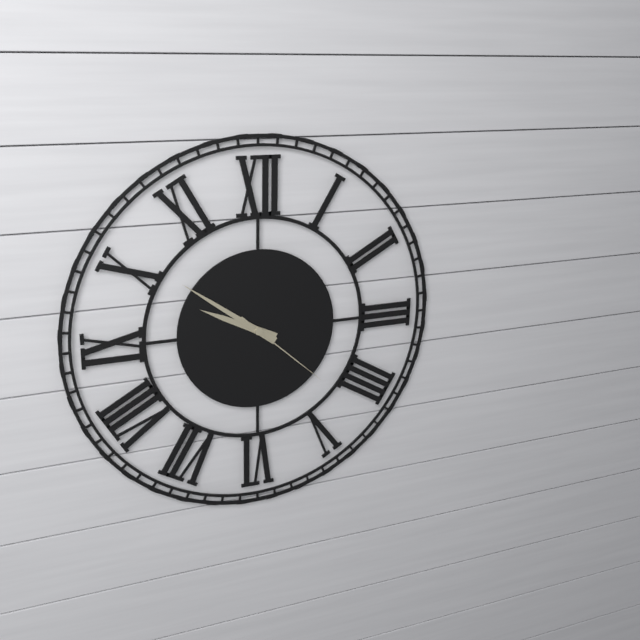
**9:51:22**
